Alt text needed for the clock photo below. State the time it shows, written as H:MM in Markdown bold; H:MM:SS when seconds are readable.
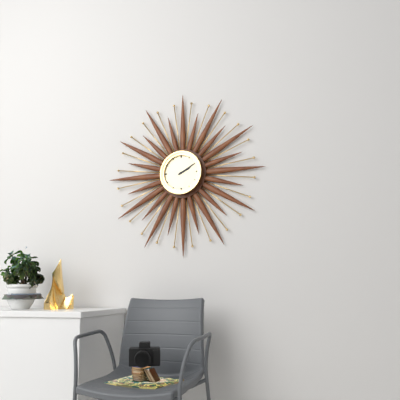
**2:10**
